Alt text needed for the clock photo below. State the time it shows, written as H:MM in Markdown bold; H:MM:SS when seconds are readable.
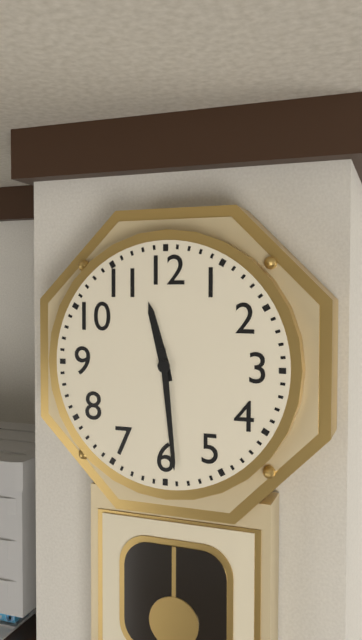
**11:29**
